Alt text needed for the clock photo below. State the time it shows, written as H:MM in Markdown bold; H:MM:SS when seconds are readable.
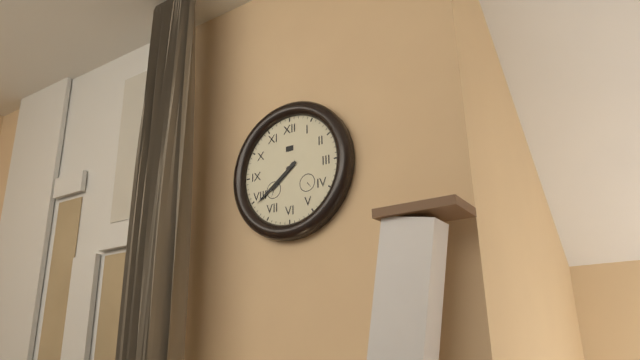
**7:39**
